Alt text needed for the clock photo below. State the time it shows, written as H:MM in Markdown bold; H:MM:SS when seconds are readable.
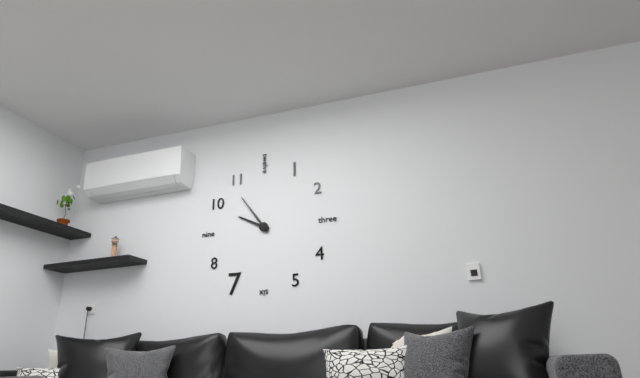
**9:54**
